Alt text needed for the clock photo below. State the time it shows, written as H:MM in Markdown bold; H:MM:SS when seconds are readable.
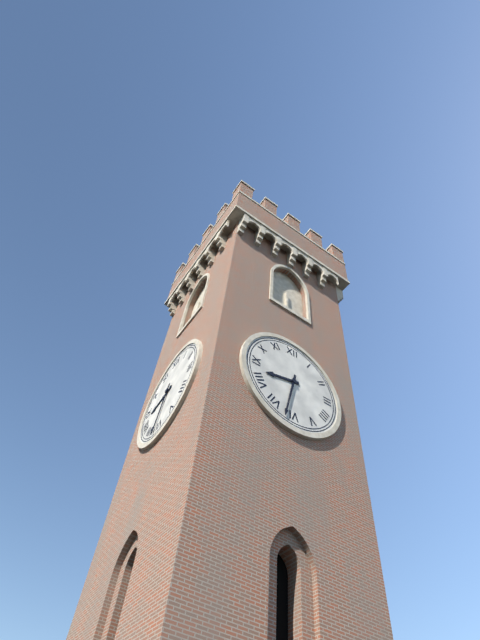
**8:32**
